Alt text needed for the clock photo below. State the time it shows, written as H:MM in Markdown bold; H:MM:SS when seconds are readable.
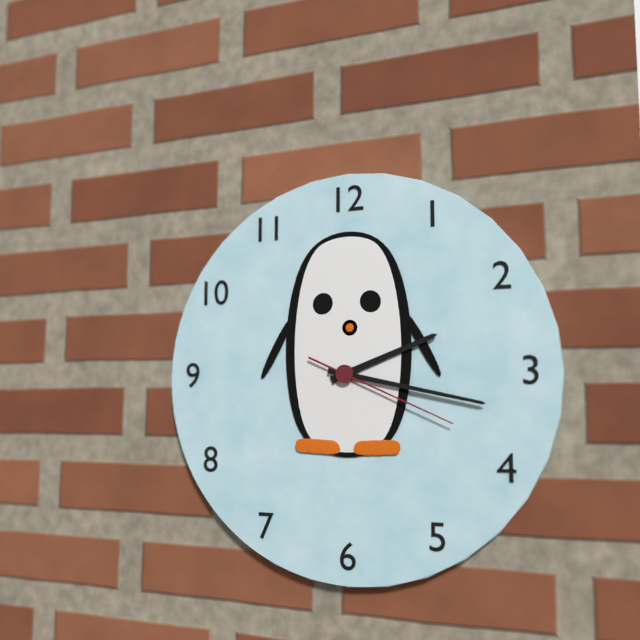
**2:17:19**
